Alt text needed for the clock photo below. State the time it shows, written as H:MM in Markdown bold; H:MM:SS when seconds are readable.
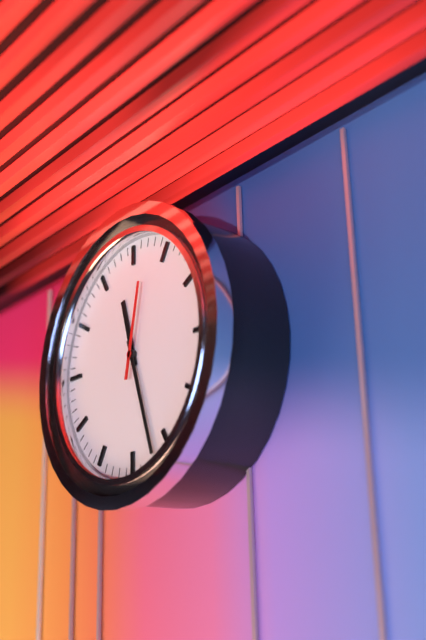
**11:27:02**
